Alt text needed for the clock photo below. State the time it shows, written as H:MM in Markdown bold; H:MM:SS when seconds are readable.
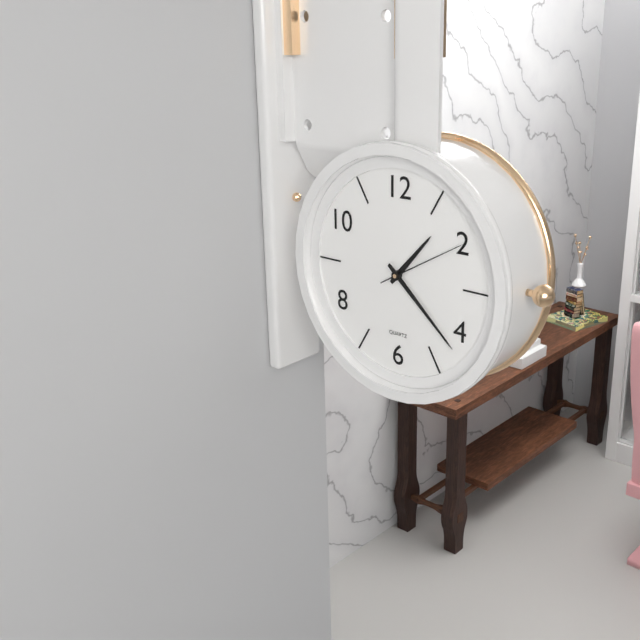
**1:22:10**
